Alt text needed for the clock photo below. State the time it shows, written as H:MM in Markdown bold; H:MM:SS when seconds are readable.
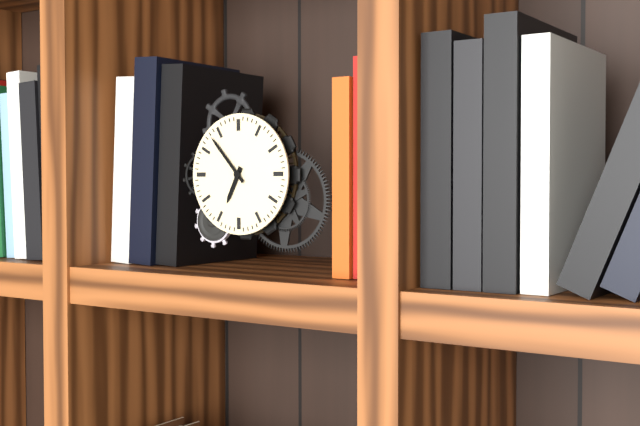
**6:53**
